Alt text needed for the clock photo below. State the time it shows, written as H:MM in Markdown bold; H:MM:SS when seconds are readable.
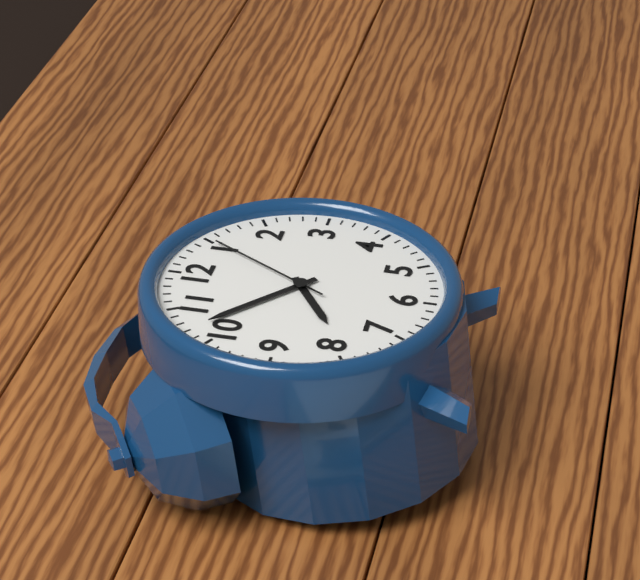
**7:52:05**
